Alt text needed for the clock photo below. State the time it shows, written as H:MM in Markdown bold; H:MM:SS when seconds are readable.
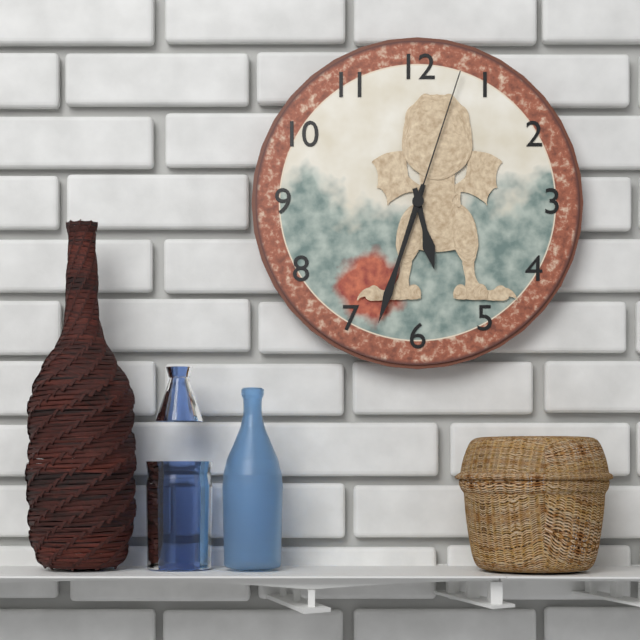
**5:33:03**
